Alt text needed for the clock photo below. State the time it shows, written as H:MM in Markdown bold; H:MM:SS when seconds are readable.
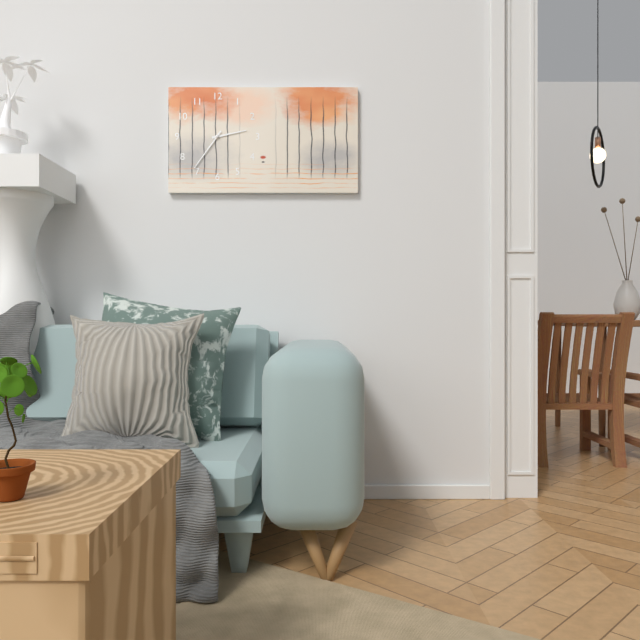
**2:36**
